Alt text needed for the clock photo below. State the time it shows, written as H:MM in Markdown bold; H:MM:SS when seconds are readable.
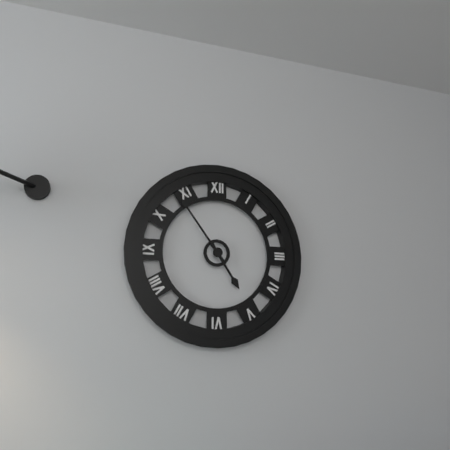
**4:54**
